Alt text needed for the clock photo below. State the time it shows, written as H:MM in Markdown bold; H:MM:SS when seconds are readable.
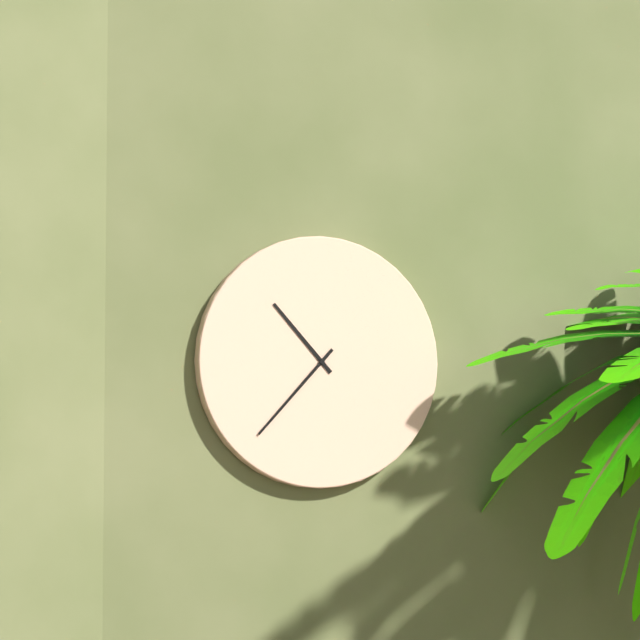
**10:37**
